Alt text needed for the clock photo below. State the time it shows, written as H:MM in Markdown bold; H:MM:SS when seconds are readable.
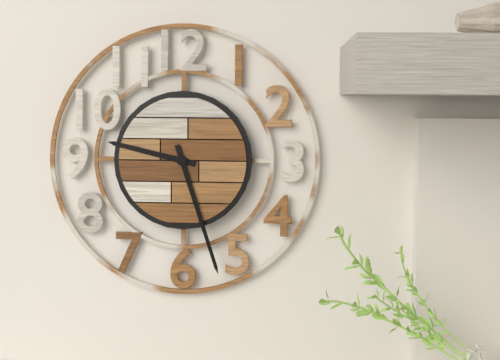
**9:27**
